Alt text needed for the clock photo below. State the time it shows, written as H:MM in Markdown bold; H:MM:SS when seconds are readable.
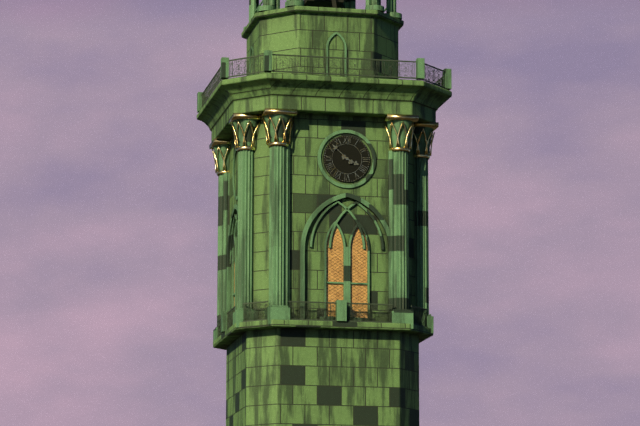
**3:52**
